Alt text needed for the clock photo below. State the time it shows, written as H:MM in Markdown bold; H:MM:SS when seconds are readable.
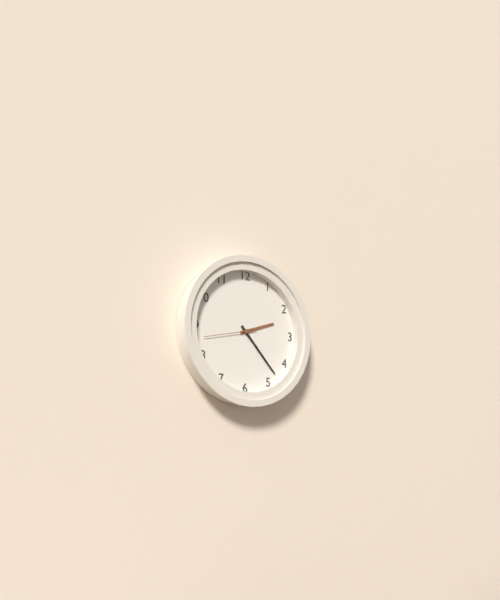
**2:23:43**
